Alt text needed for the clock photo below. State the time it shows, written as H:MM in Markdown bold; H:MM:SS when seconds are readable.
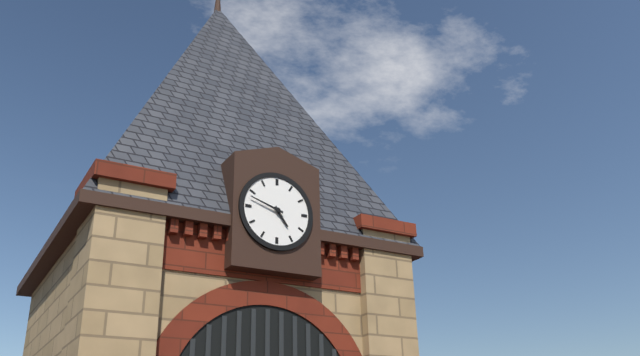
**4:48**
